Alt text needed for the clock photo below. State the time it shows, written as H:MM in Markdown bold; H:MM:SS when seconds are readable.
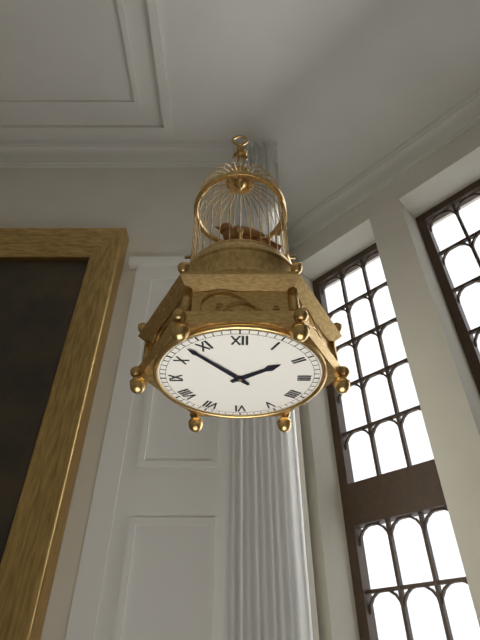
**1:53**
